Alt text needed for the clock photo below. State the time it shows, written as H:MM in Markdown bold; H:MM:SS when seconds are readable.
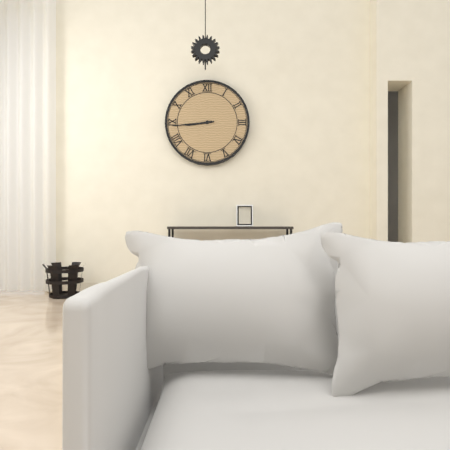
**8:44**
